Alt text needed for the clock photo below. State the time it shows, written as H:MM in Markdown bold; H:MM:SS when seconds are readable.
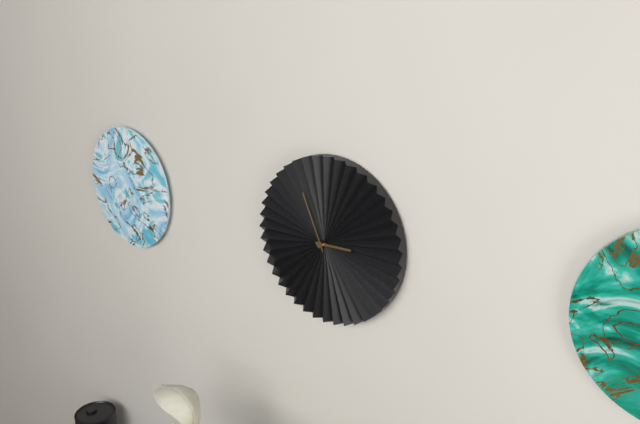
**2:56**
